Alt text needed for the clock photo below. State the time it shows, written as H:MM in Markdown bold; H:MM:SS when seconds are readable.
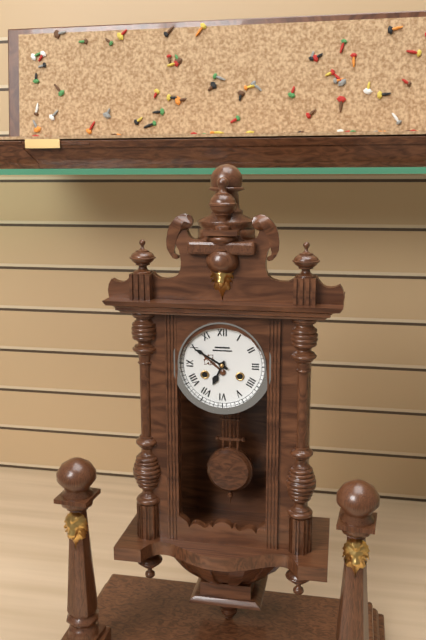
**6:50**
